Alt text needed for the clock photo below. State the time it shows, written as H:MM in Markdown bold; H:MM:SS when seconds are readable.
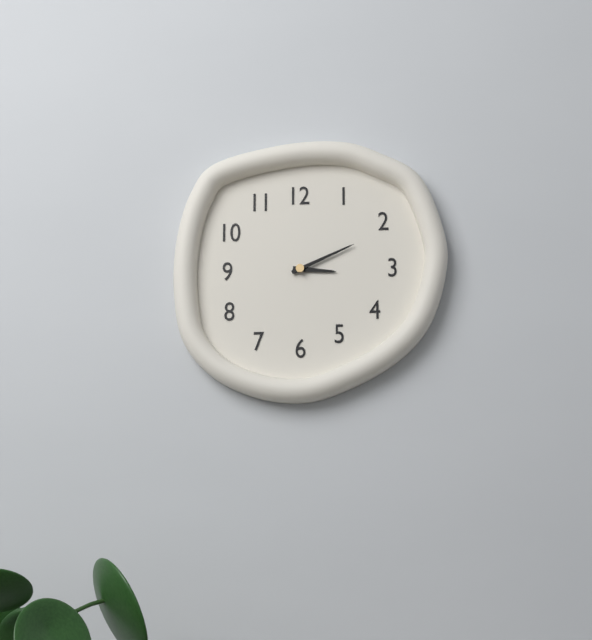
**3:11**
